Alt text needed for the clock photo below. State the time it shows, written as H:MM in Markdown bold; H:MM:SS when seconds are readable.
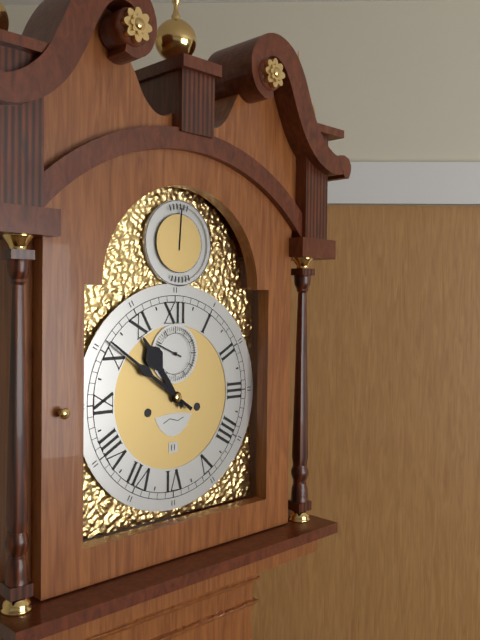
**10:51**
